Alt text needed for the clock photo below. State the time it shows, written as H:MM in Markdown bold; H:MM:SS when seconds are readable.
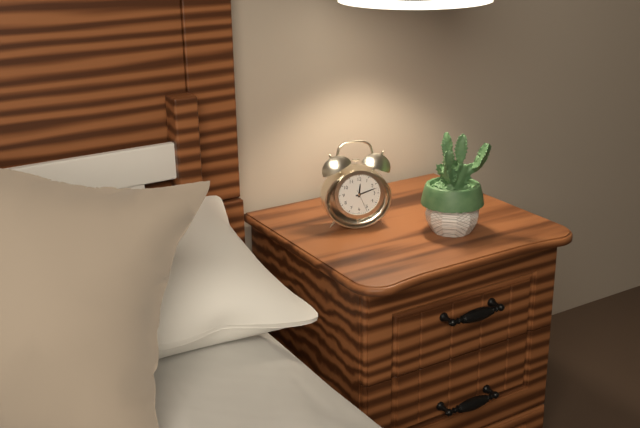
**12:12**
